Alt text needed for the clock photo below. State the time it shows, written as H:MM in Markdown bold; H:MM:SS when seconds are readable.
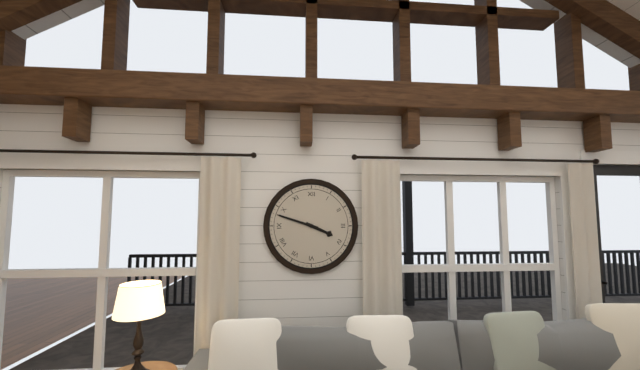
**3:48**
